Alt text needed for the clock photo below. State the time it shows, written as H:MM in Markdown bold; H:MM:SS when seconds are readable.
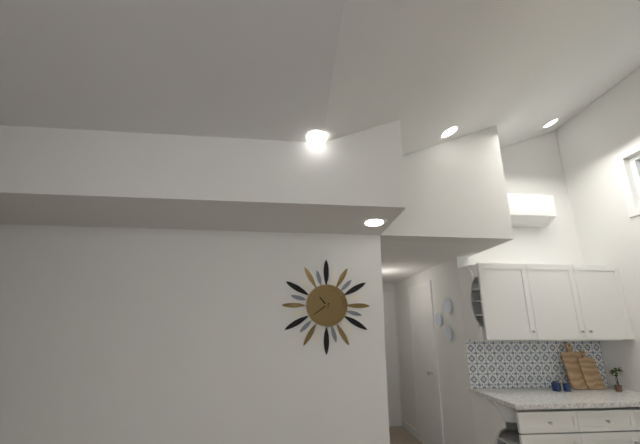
**10:39**
